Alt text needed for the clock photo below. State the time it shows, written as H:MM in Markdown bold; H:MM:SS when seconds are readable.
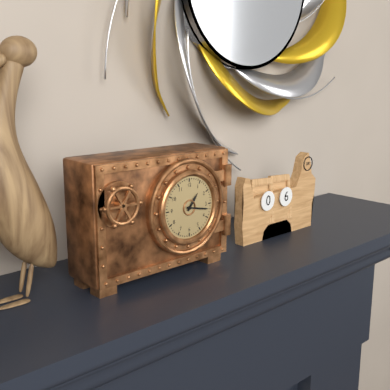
**1:17**
